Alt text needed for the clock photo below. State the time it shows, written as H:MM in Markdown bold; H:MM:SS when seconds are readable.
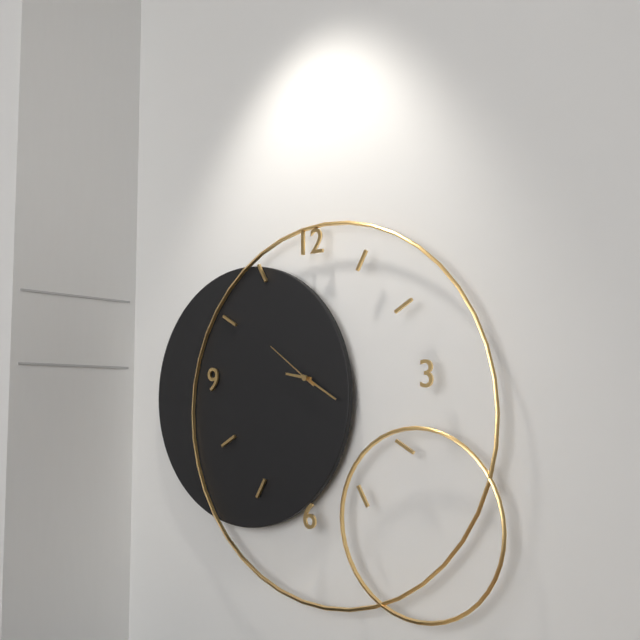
**9:20:51**
